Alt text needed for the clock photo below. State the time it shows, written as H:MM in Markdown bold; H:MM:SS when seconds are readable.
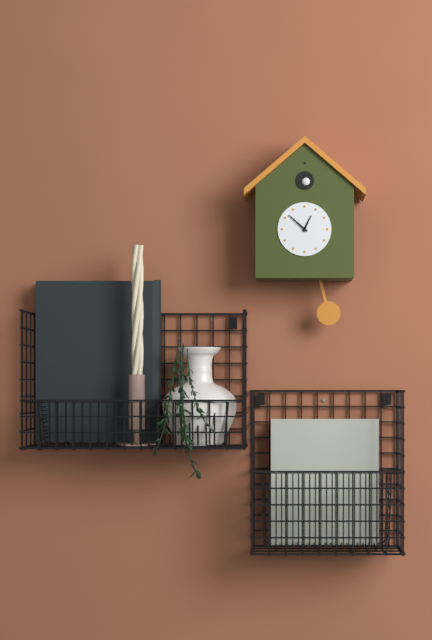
**12:52**
